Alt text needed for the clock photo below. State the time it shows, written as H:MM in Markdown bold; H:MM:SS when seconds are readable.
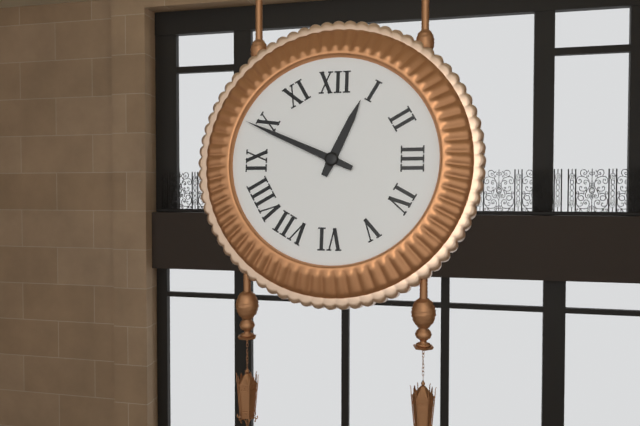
**12:49**
